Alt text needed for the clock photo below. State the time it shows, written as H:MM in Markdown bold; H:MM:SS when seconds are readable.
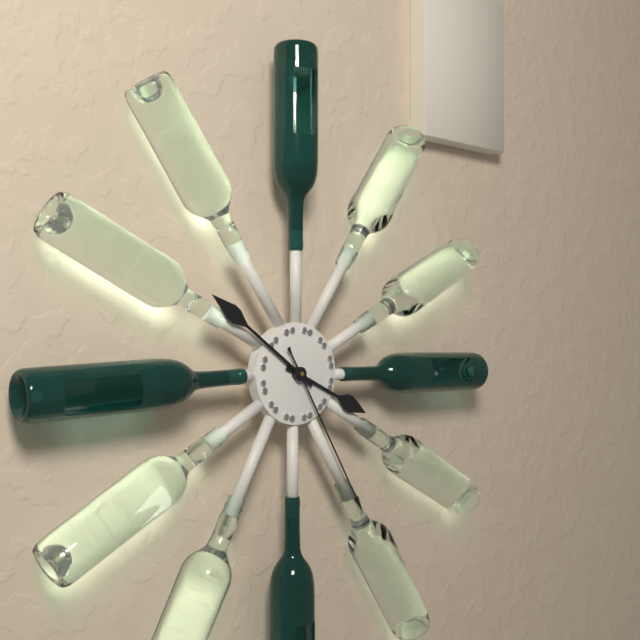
**3:51:25**
